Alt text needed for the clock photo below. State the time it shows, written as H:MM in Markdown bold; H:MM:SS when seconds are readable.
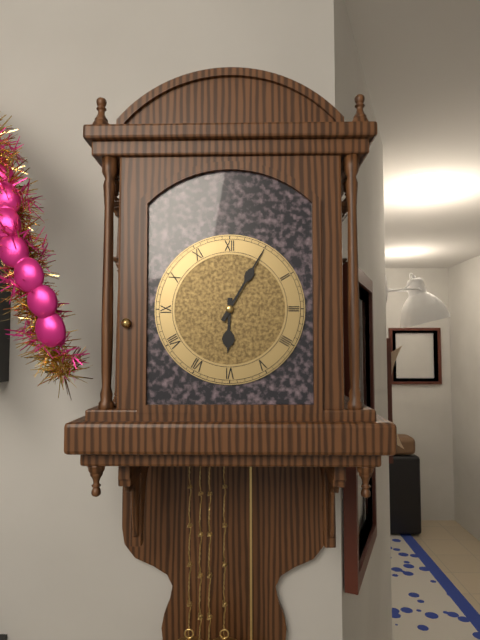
**6:05**
